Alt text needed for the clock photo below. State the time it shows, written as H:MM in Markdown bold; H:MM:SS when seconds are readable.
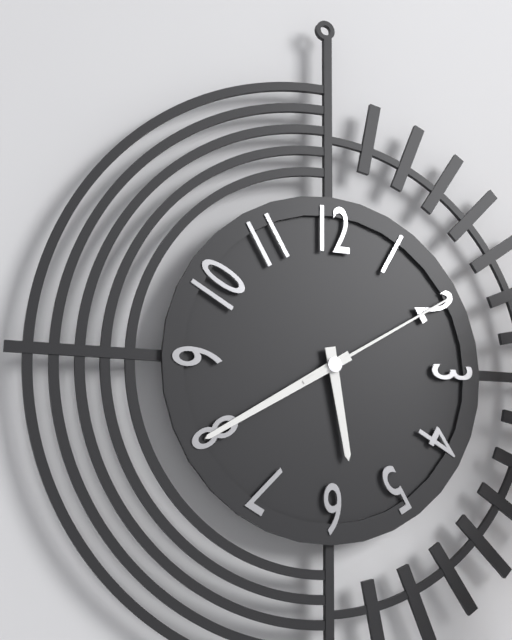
**5:40:10**
